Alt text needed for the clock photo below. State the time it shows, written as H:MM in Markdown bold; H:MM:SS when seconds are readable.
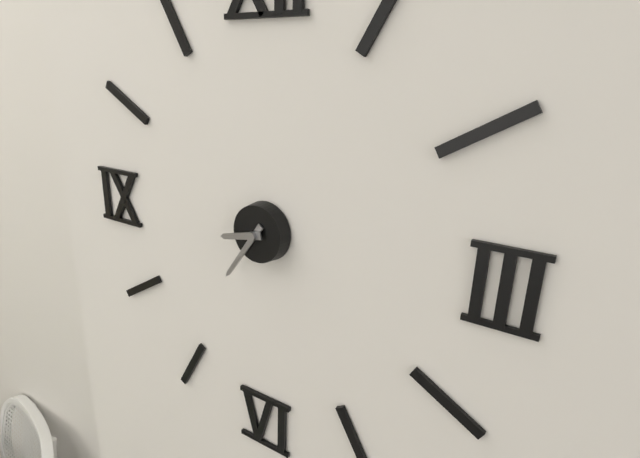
**8:36**
